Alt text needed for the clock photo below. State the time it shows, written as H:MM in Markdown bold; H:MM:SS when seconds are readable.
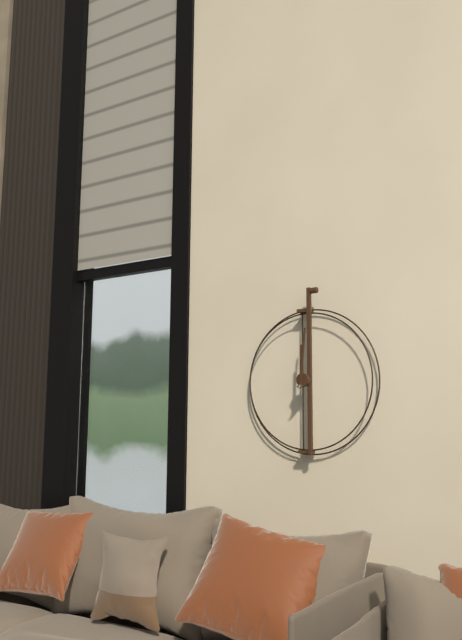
**12:01**
